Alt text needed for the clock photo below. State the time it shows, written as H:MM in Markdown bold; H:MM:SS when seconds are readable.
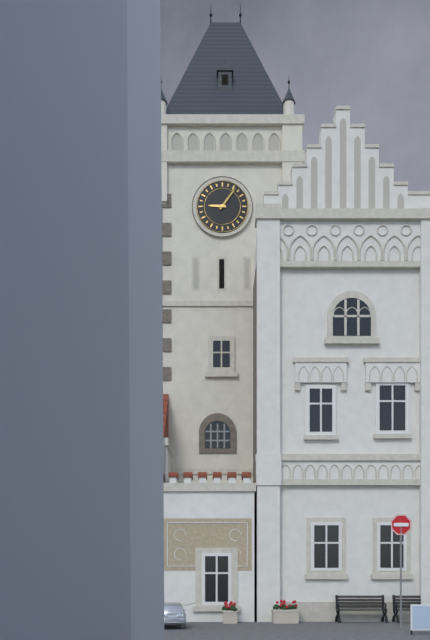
**9:06**
